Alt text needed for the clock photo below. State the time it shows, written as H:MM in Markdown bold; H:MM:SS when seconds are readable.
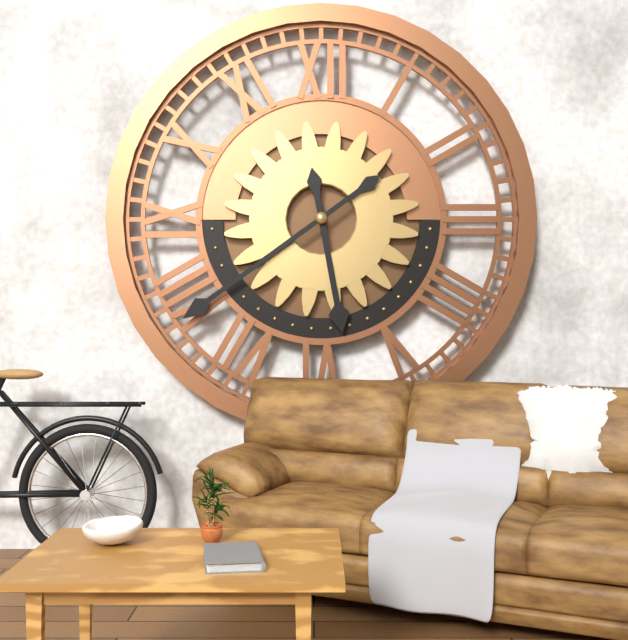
**5:39**
